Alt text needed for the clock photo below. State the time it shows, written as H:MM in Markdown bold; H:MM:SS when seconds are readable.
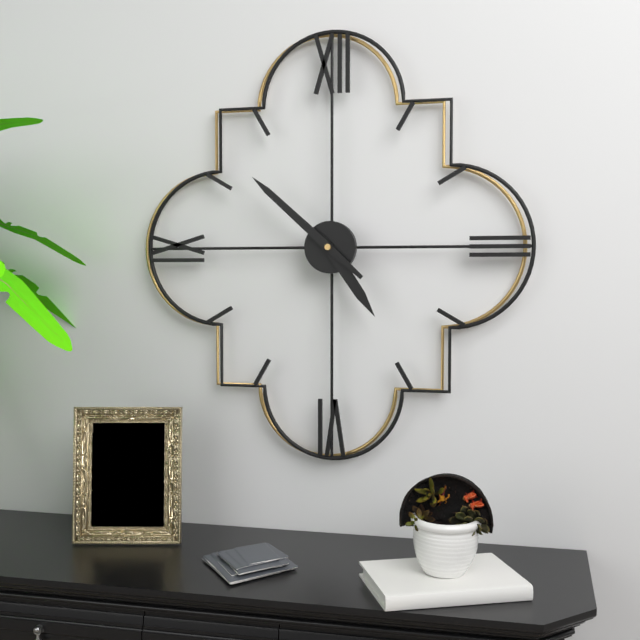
**4:52**
